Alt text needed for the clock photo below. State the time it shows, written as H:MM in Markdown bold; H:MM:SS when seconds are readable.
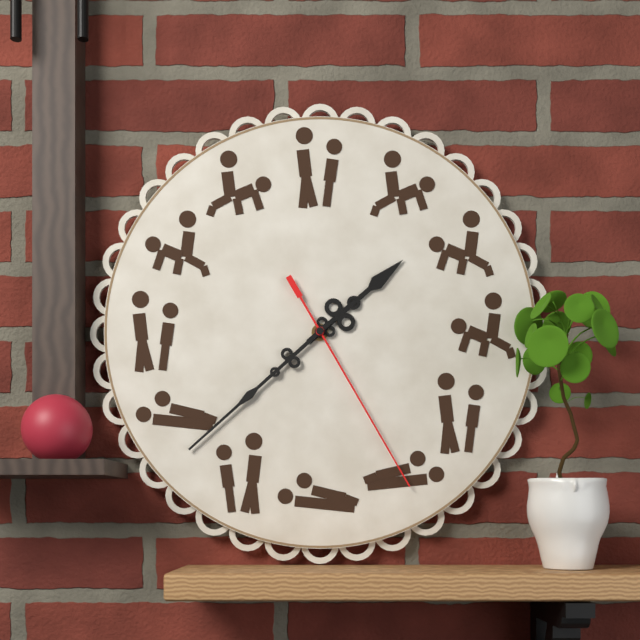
**1:38:25**
